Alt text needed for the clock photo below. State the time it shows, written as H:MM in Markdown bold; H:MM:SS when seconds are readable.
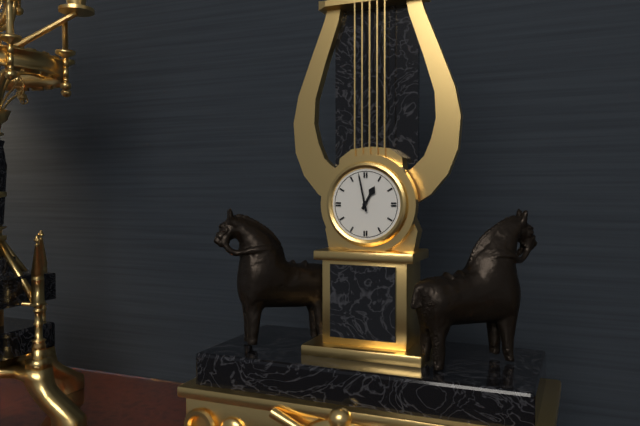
**12:58**
